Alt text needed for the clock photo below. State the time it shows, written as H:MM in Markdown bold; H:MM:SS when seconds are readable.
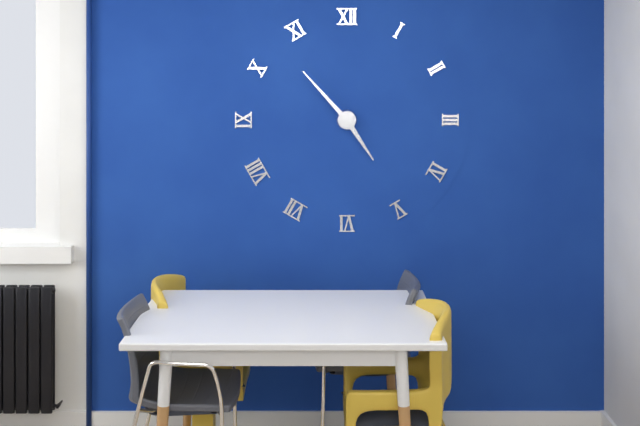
**4:53**
